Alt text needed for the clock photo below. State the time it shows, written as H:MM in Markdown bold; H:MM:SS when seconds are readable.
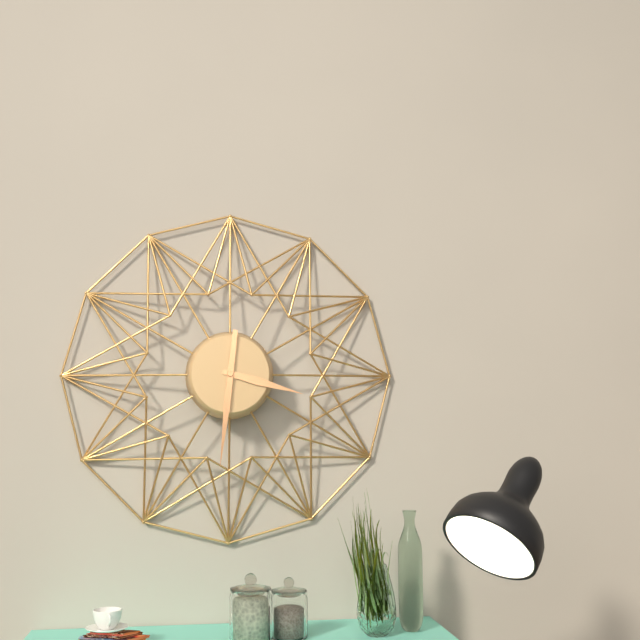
**3:31**
